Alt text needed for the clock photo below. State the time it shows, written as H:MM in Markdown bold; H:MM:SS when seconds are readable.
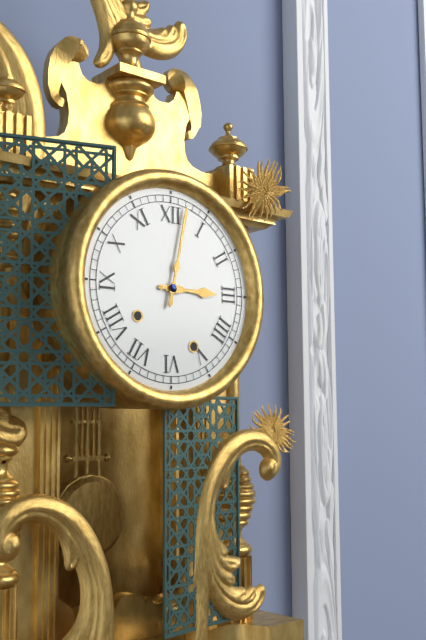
**3:02**
